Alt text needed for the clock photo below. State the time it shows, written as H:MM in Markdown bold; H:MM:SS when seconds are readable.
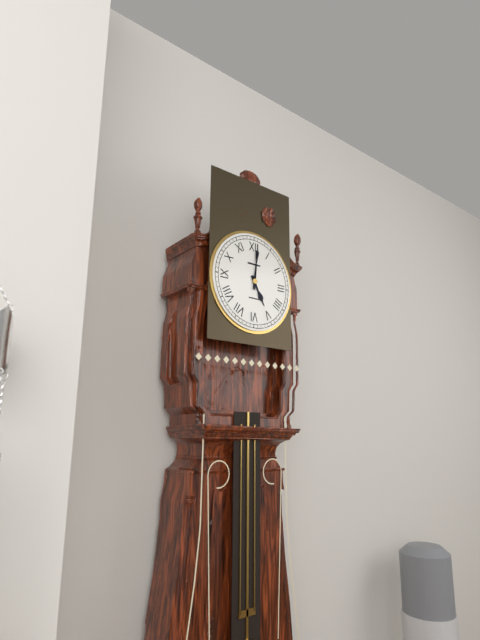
**5:01**
